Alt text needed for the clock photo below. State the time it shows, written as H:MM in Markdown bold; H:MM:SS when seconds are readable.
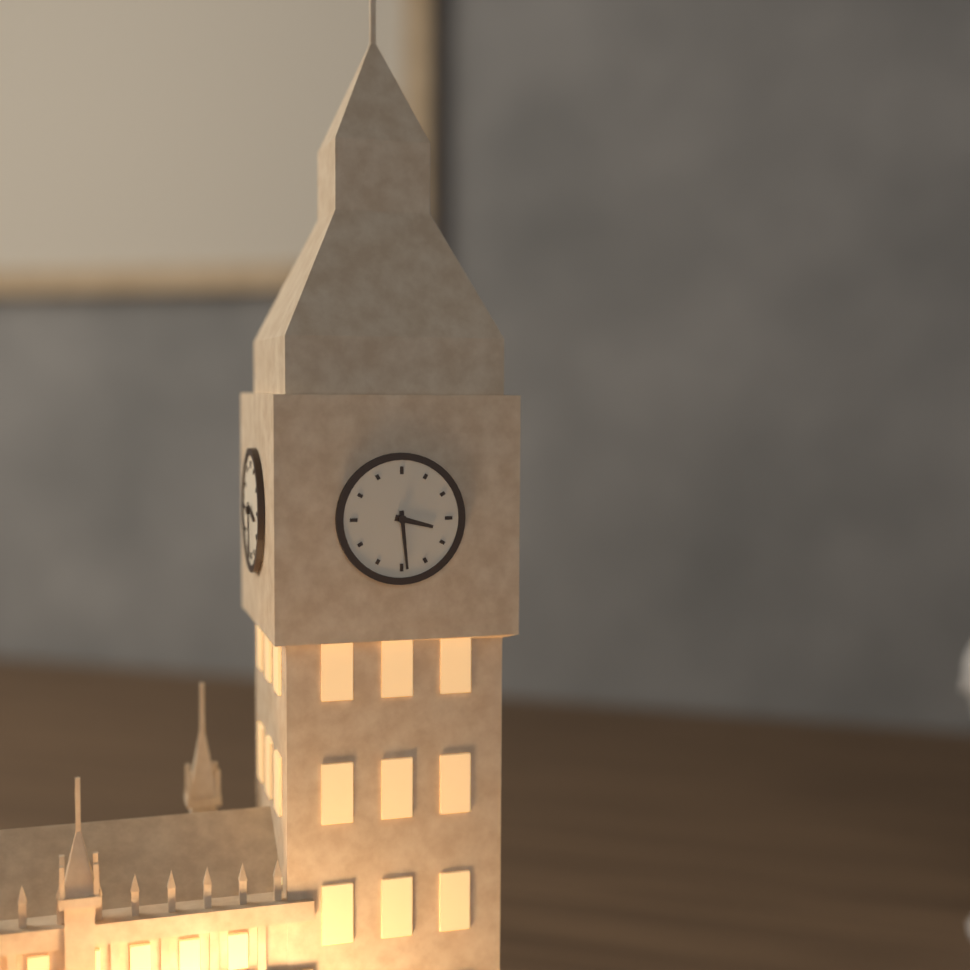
**3:29**
